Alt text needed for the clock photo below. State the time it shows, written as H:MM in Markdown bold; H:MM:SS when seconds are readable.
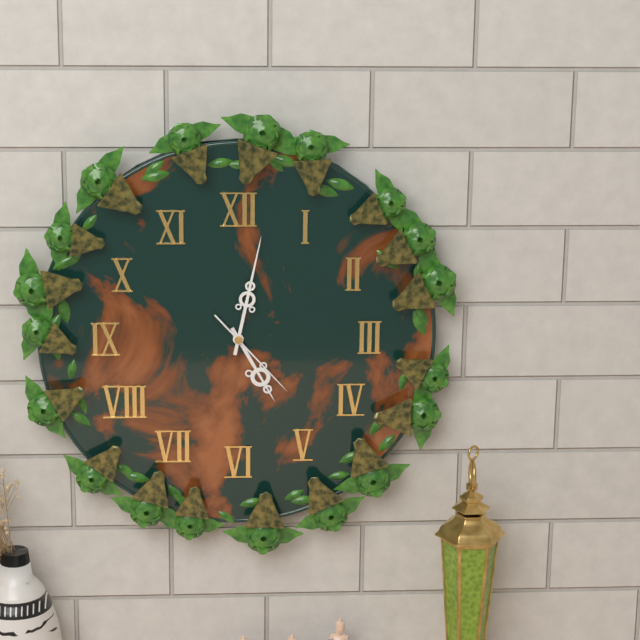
**5:02:23**
